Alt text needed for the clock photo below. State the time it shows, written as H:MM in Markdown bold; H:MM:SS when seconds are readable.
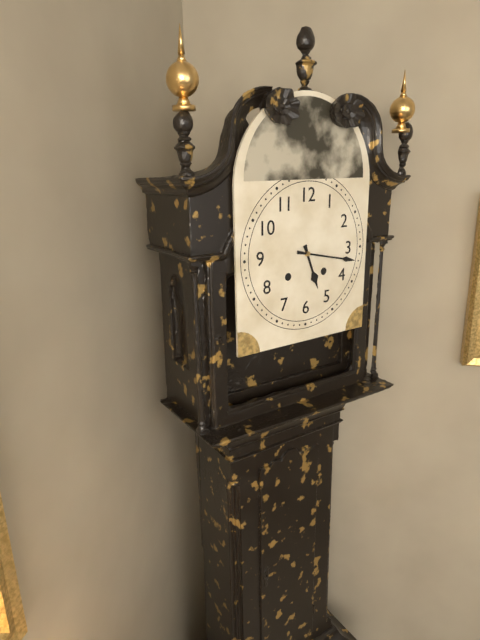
**5:17**
